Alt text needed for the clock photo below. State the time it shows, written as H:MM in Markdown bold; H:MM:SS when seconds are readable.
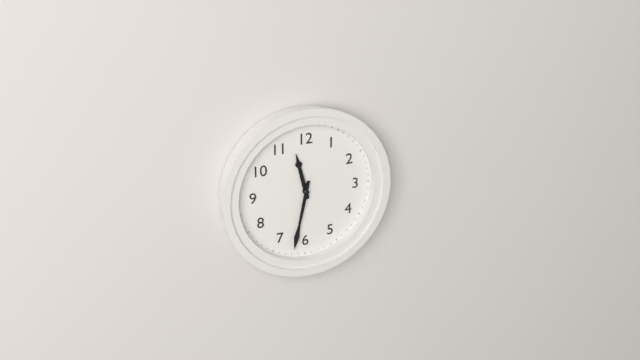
**11:32**
